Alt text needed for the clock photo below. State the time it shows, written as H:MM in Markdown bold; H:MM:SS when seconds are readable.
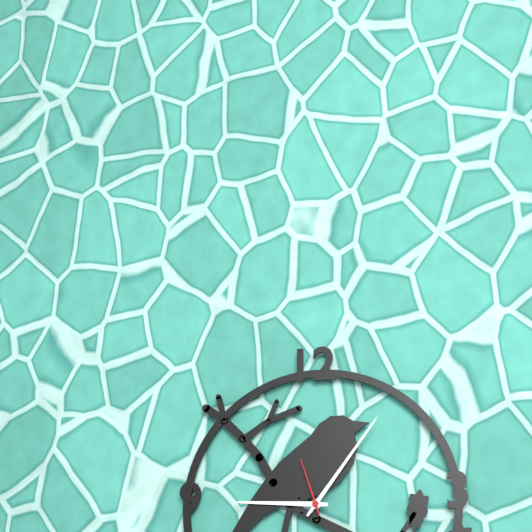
**9:06:57**
